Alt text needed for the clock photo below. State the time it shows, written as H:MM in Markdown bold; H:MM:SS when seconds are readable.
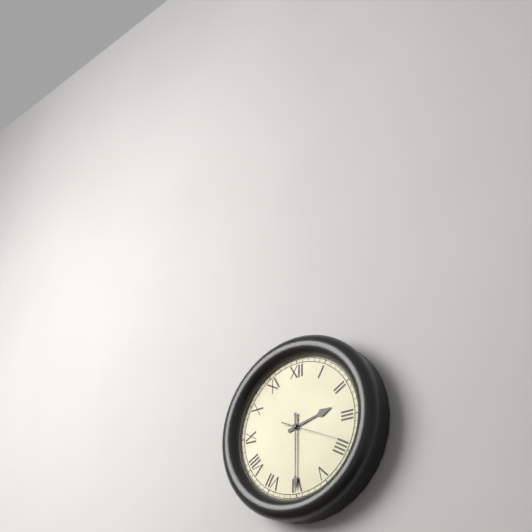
**2:30:19**
